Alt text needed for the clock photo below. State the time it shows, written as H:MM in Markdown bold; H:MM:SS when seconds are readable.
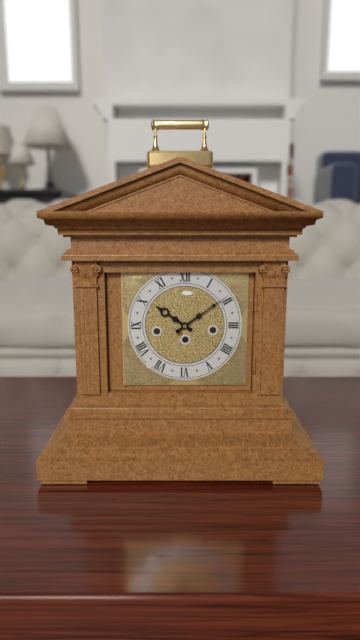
**10:09**
